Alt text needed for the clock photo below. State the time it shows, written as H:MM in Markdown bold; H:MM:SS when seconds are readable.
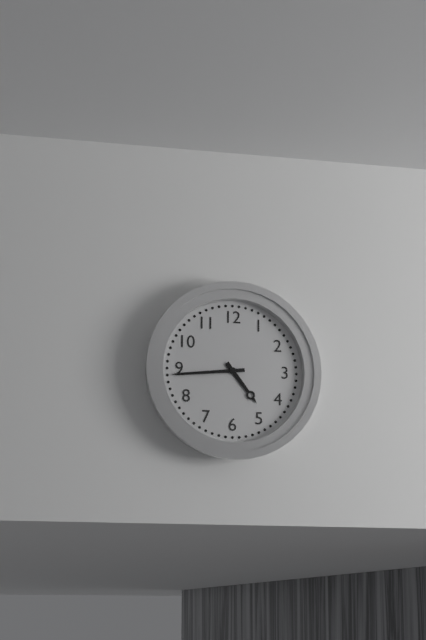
**4:44**
